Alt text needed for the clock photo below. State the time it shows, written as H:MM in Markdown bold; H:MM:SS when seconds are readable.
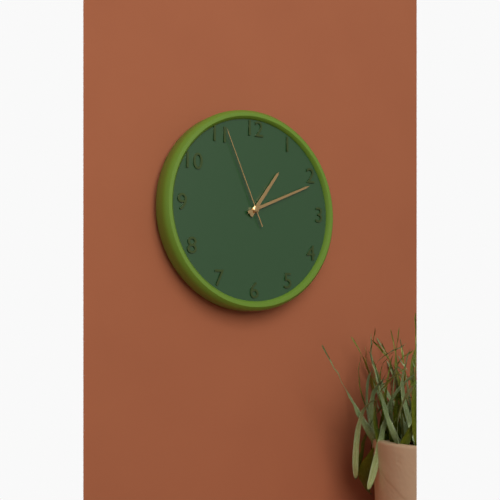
**1:11:56**
